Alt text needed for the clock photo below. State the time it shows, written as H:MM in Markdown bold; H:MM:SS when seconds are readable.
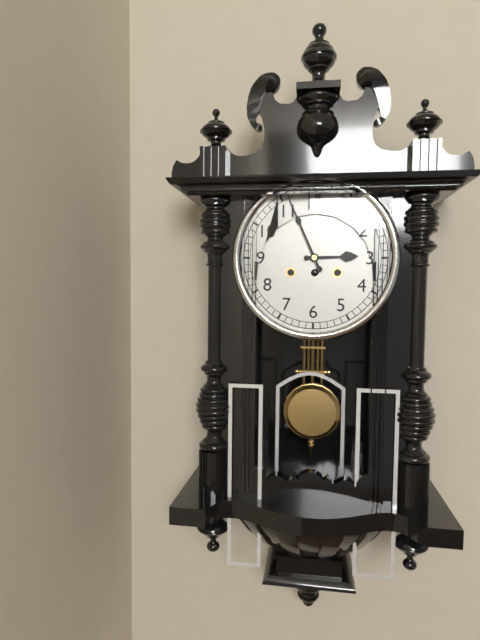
**2:56**
